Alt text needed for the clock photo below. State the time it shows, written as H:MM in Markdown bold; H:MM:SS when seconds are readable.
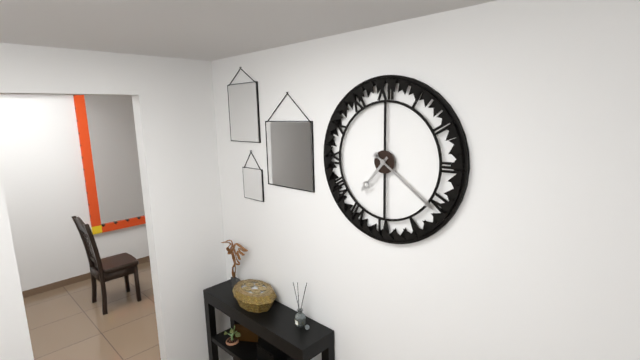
**7:21**
